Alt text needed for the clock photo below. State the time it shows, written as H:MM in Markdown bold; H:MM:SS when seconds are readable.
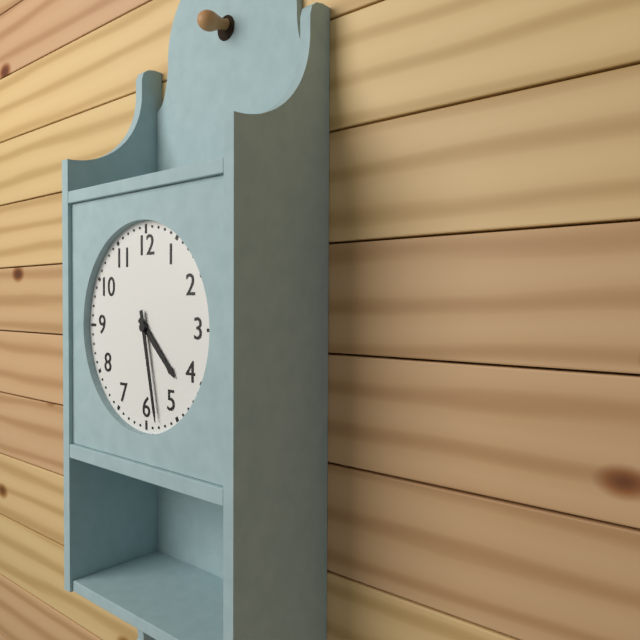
**4:28**
